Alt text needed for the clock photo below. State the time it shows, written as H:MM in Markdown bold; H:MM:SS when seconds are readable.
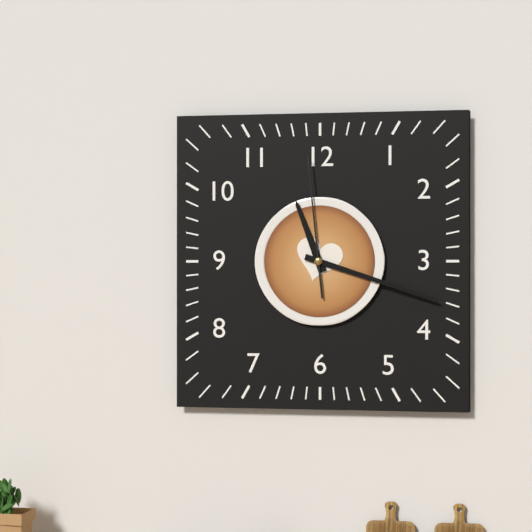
**11:18:59**
